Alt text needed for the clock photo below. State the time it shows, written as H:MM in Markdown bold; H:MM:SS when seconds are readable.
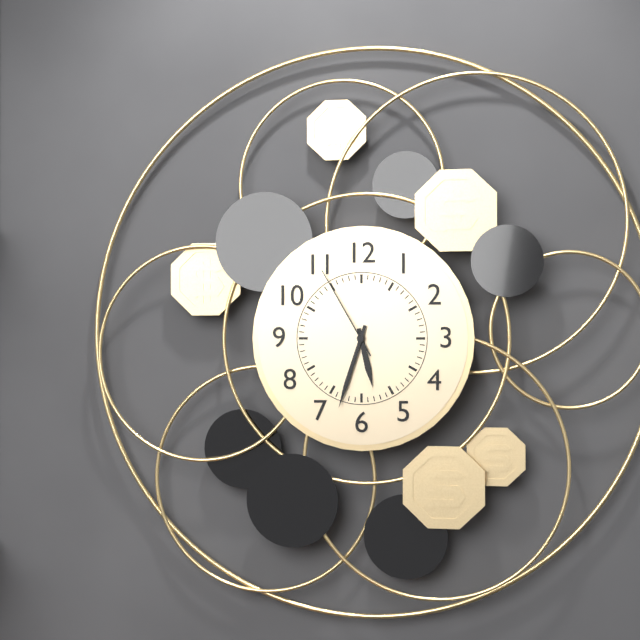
**5:33:55**
